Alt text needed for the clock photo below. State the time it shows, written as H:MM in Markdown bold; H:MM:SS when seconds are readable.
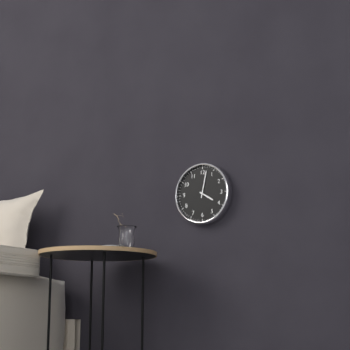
**4:02**
